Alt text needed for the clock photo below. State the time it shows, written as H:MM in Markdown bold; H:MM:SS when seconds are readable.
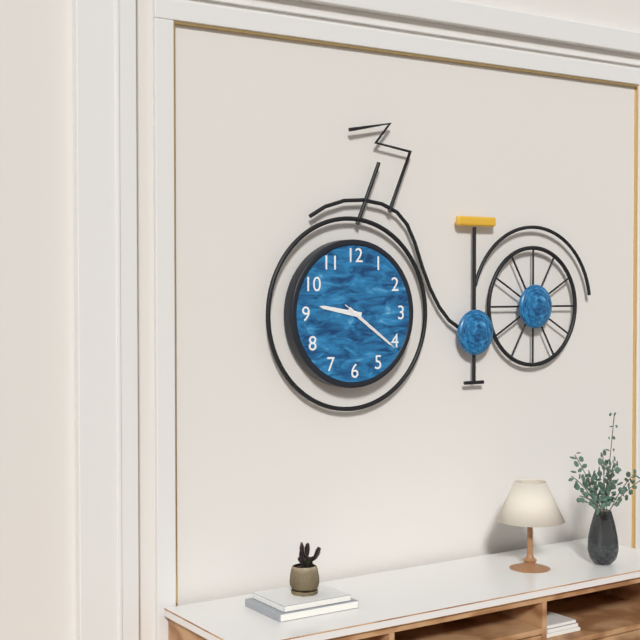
**9:21:21**
